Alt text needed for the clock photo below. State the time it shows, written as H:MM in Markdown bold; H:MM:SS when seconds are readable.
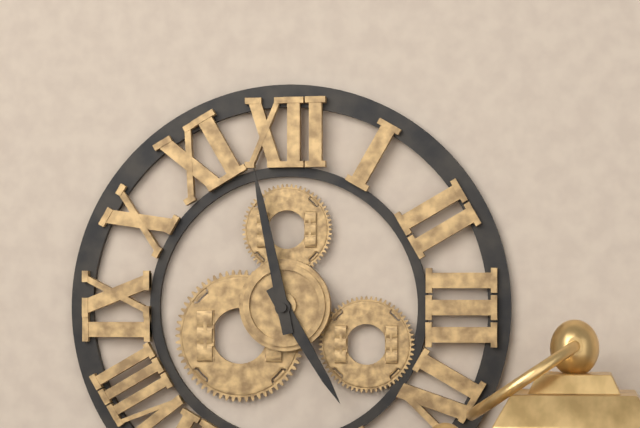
**4:58**
